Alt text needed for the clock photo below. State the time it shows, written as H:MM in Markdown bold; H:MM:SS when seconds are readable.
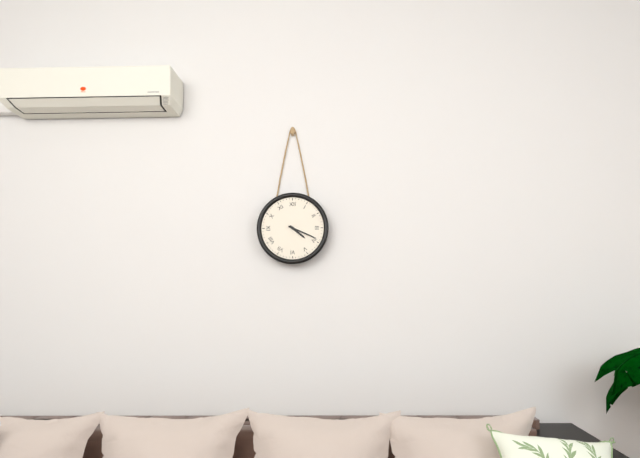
**4:19**
